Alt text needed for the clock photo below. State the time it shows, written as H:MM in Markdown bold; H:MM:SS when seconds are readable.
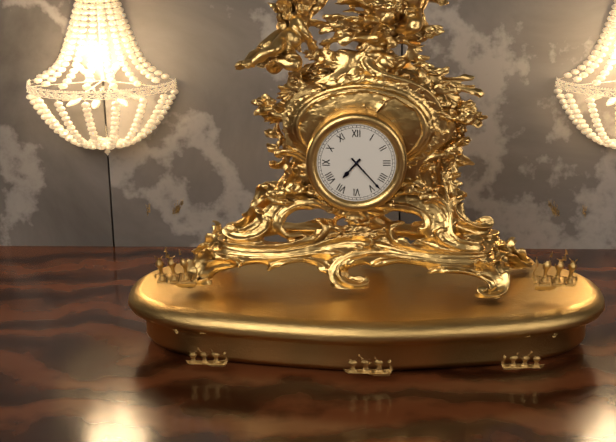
**7:23**
